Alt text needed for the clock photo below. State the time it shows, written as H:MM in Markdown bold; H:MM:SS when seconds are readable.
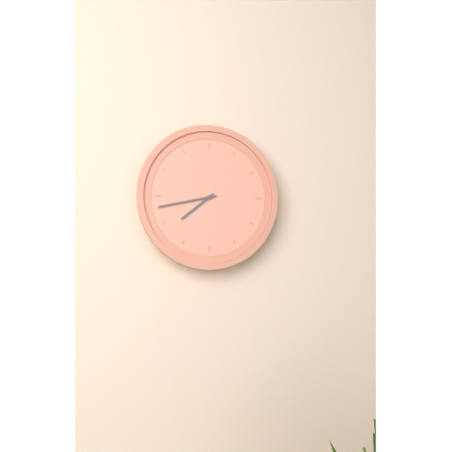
**7:43**
